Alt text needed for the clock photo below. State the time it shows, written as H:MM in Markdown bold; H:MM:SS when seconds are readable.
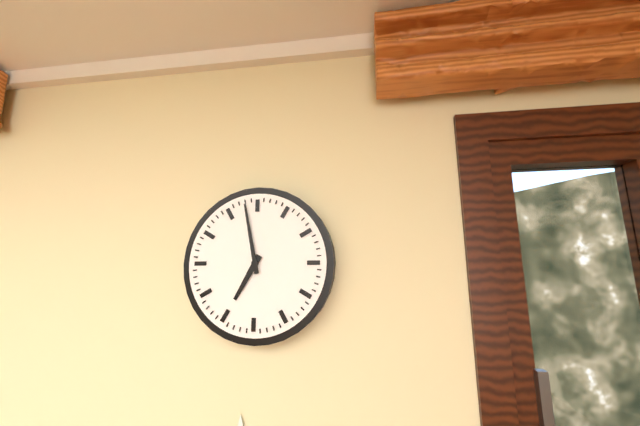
**6:58**
